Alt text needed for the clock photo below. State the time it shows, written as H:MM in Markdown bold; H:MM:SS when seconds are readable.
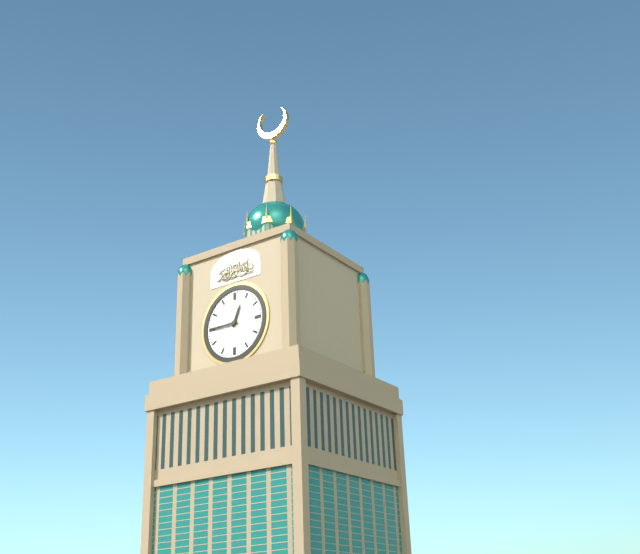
**12:45**
